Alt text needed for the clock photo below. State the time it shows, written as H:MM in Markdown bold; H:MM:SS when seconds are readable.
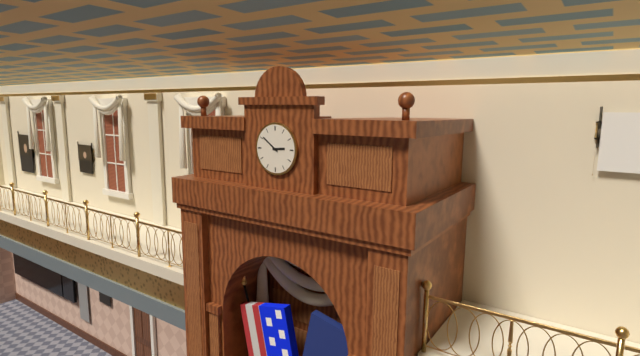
**2:51**
